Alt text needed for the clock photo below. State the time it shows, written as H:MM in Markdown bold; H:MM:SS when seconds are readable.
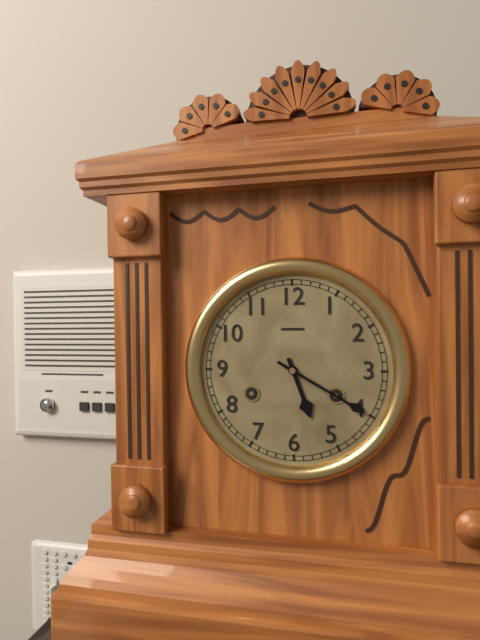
**5:20**
